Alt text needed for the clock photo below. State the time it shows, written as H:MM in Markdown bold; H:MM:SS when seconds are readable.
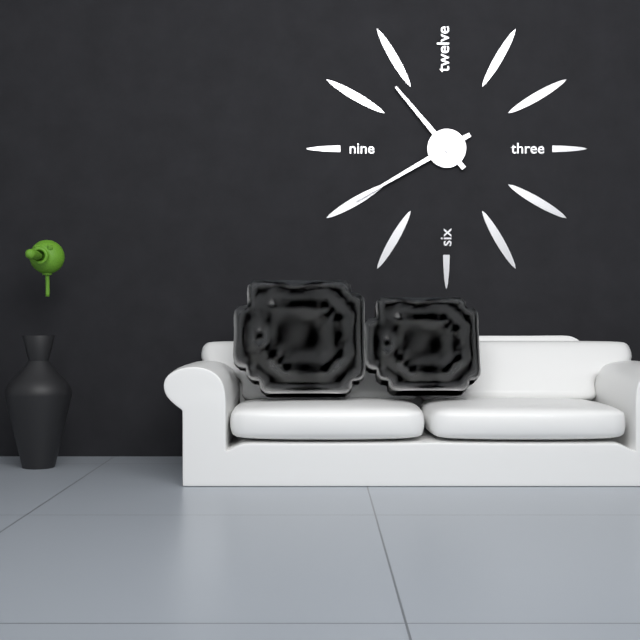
**10:40**
